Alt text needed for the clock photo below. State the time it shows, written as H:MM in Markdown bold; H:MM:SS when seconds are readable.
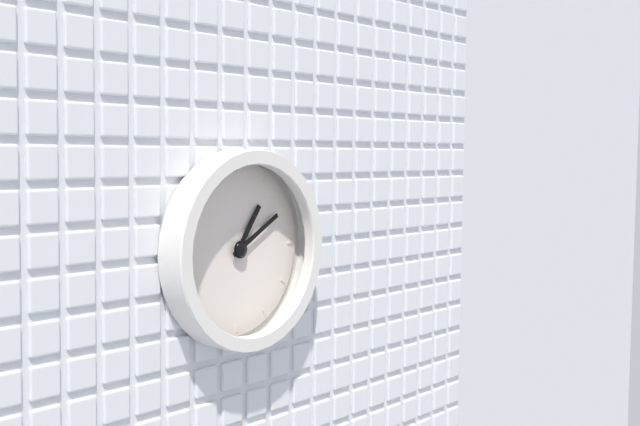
**1:10**
